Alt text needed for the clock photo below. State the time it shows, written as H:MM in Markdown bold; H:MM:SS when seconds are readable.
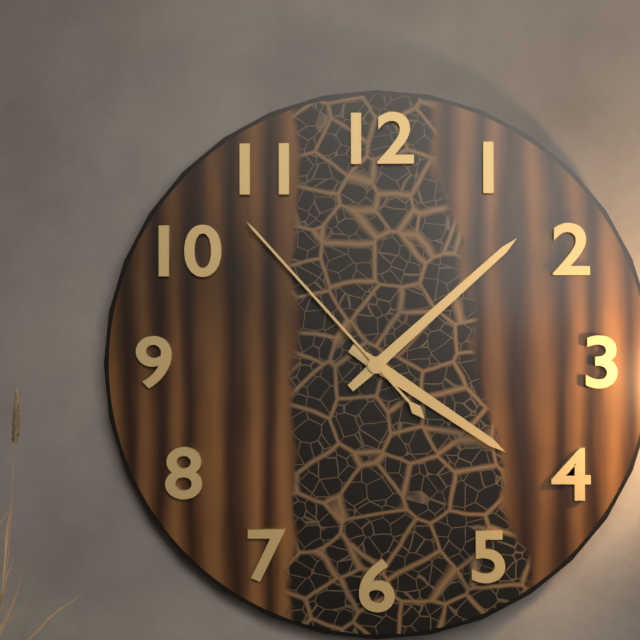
**4:08:53**
